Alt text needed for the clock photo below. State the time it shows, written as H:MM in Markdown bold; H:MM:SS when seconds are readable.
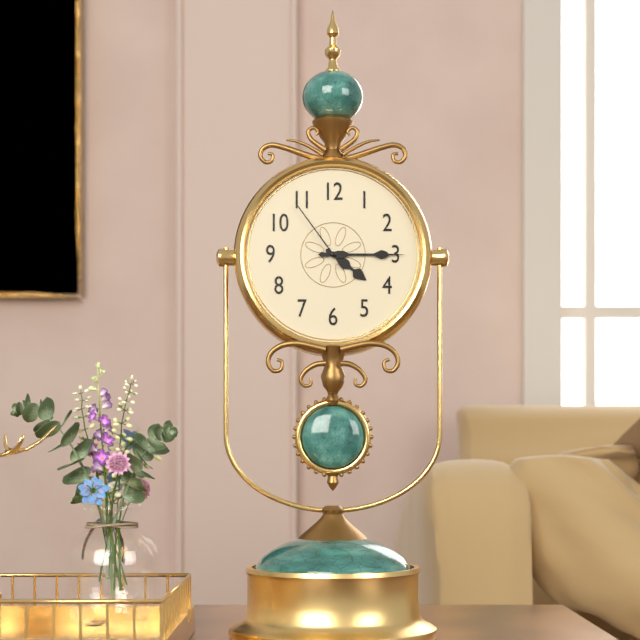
**4:15:54**
